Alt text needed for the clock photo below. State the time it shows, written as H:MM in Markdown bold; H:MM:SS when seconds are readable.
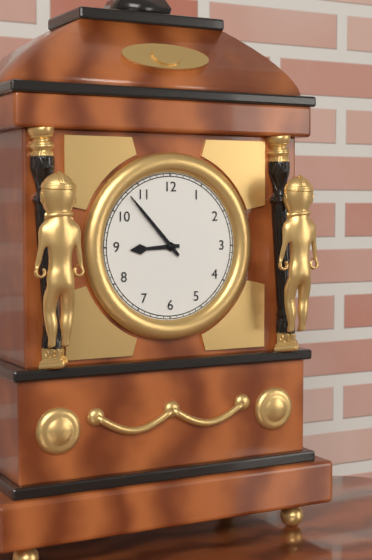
**8:53**
